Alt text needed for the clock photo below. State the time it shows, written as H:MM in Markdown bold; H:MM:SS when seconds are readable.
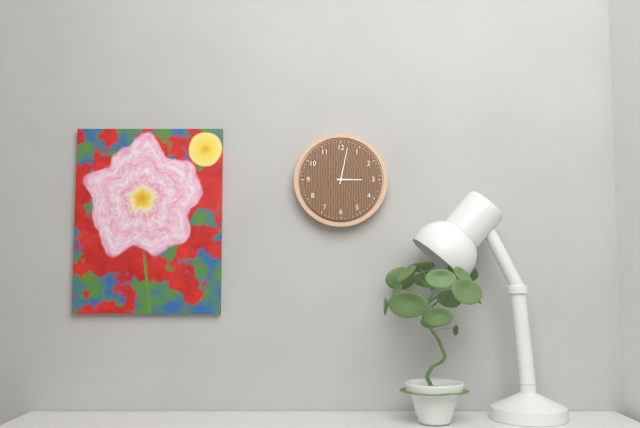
**3:02**
